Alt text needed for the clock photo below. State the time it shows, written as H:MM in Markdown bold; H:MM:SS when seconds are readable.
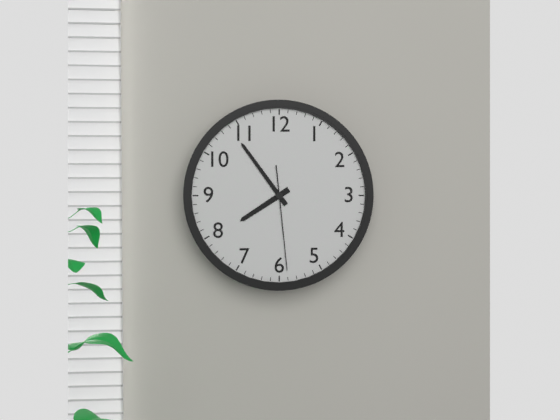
**7:54:29**
